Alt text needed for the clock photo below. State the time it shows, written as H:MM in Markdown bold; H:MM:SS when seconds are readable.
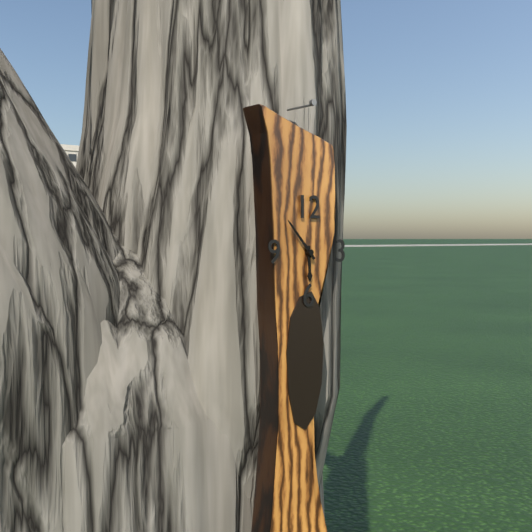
**5:53**
